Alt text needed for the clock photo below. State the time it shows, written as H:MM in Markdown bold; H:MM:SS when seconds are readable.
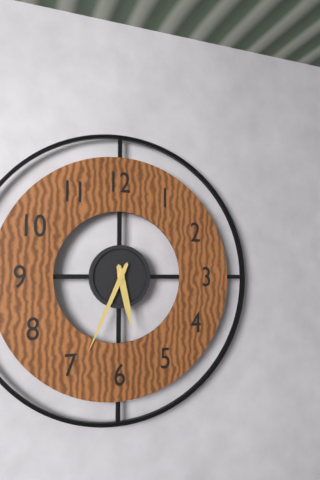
**5:34**
